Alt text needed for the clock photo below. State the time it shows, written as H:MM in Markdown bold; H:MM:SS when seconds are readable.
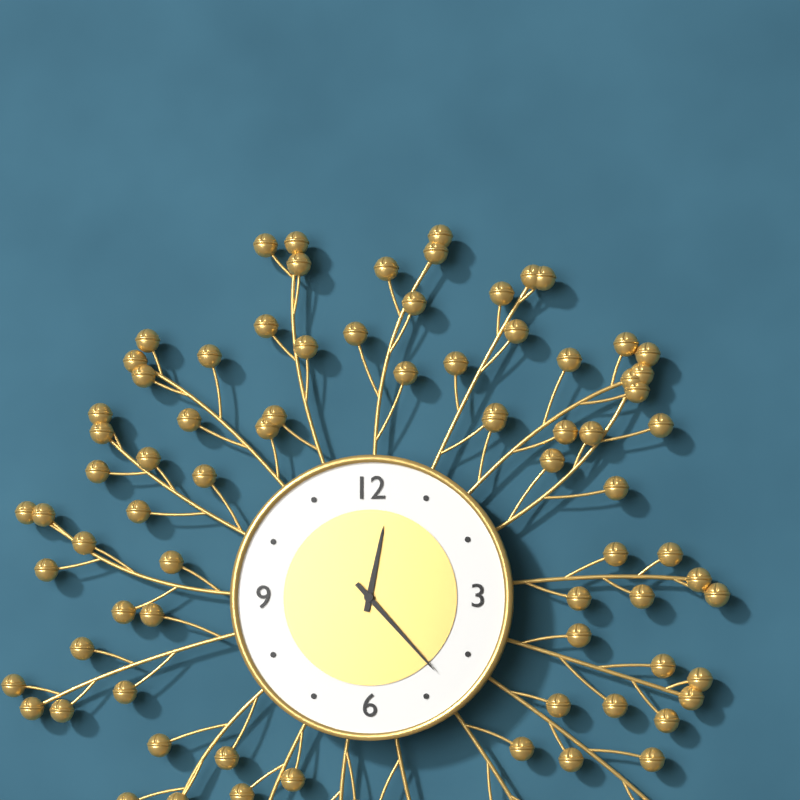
**12:23**
